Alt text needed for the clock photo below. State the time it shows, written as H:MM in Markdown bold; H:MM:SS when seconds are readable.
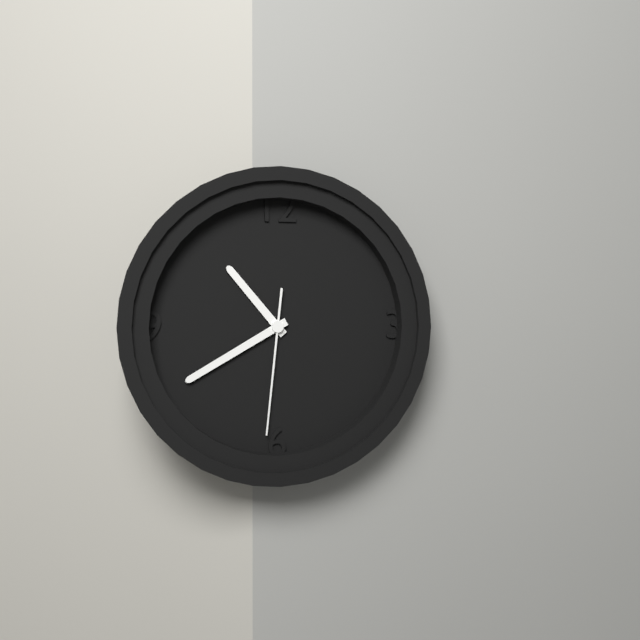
**10:40:31**
